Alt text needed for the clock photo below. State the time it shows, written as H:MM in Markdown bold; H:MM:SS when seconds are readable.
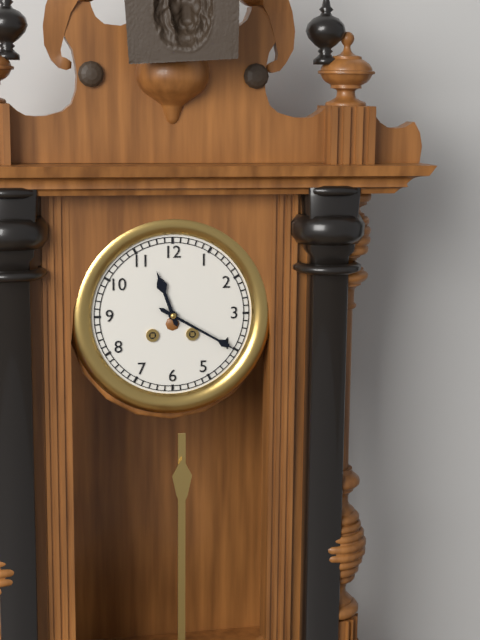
**11:20**
